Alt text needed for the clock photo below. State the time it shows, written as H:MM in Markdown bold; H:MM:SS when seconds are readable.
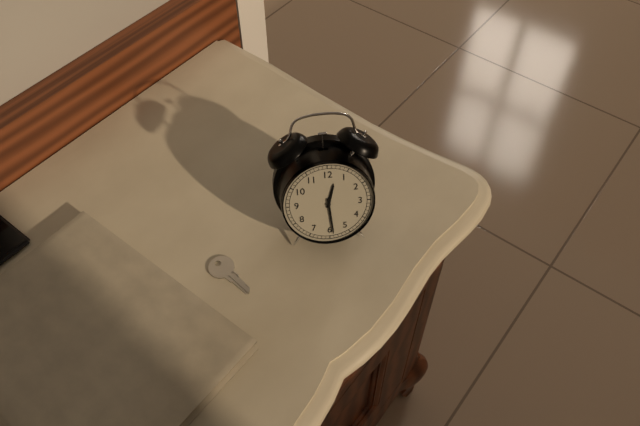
**12:29**
